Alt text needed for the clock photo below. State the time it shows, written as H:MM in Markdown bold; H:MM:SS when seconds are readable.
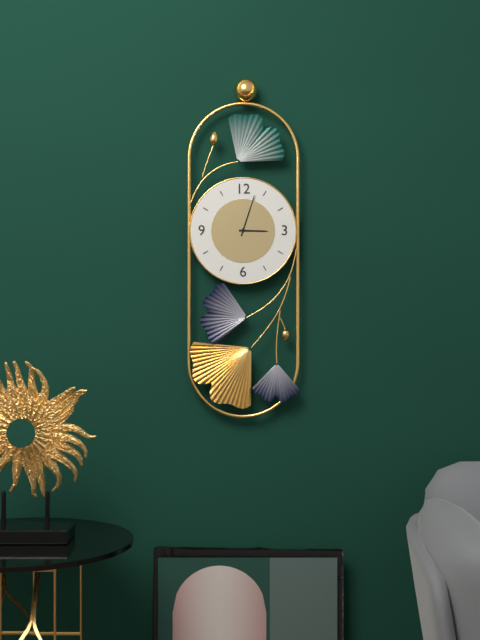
**3:03**
